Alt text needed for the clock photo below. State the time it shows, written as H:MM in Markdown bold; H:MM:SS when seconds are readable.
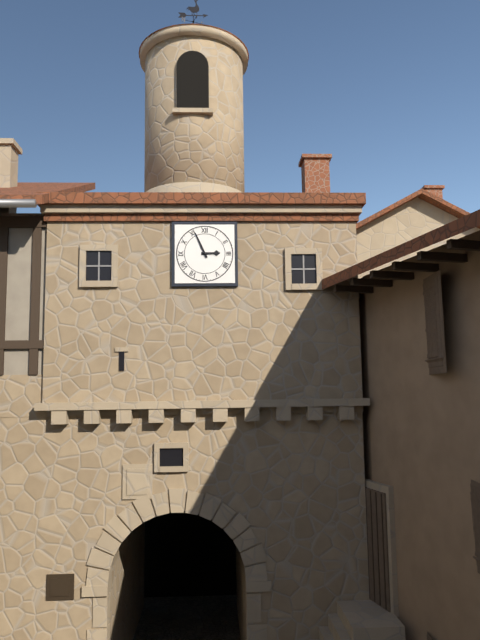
**2:56**
